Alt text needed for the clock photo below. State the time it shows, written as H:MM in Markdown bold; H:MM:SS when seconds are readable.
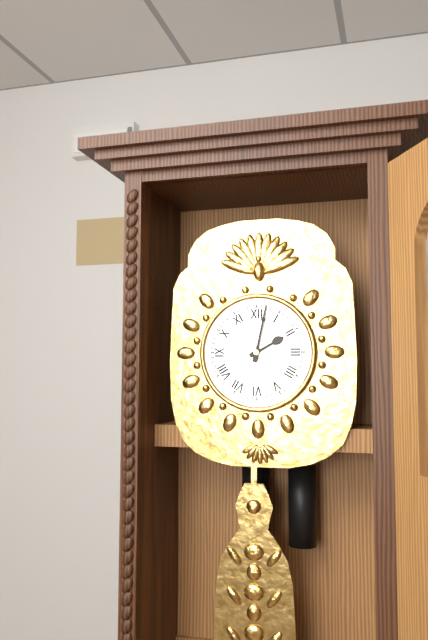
**2:02**
